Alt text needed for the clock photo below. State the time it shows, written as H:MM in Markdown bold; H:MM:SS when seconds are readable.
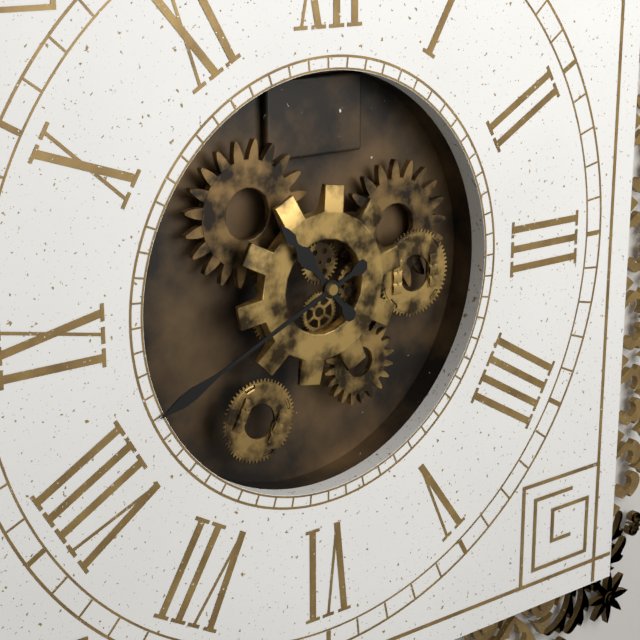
**10:41**
